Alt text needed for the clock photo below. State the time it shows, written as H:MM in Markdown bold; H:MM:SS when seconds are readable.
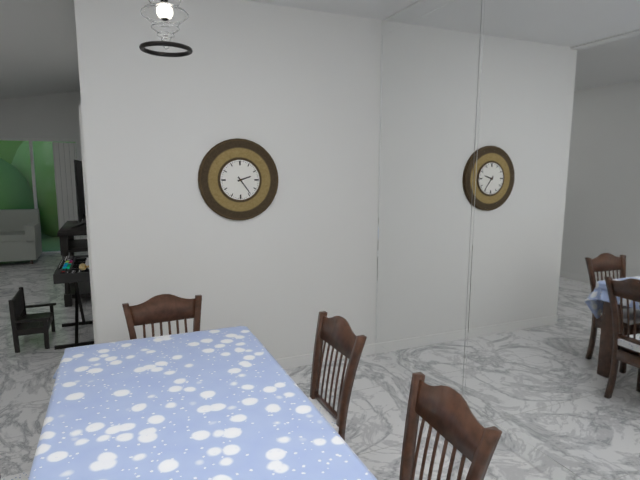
**2:24**
